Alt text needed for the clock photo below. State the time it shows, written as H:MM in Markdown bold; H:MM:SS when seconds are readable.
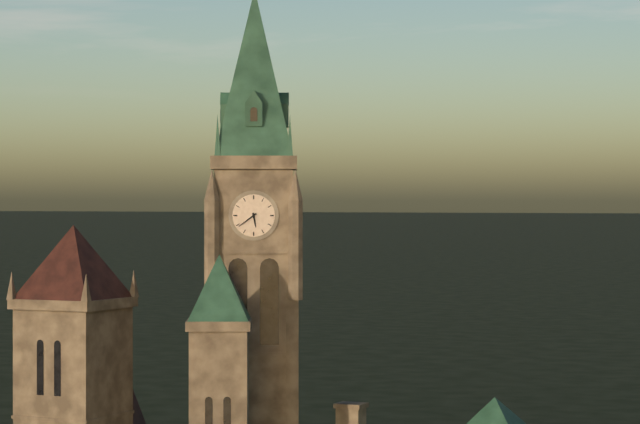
**5:39**
